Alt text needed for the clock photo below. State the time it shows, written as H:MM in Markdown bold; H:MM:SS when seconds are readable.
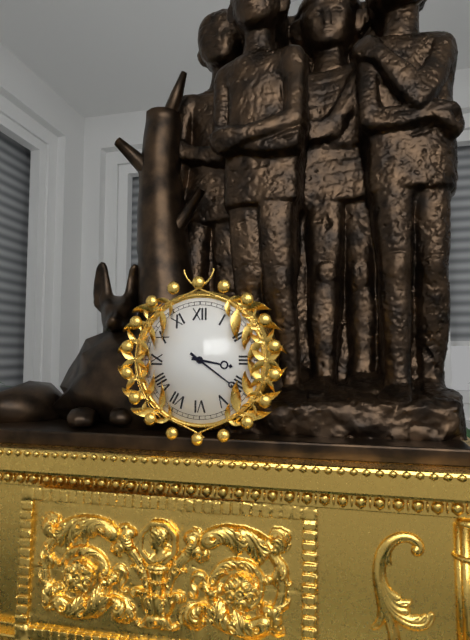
**3:21**
